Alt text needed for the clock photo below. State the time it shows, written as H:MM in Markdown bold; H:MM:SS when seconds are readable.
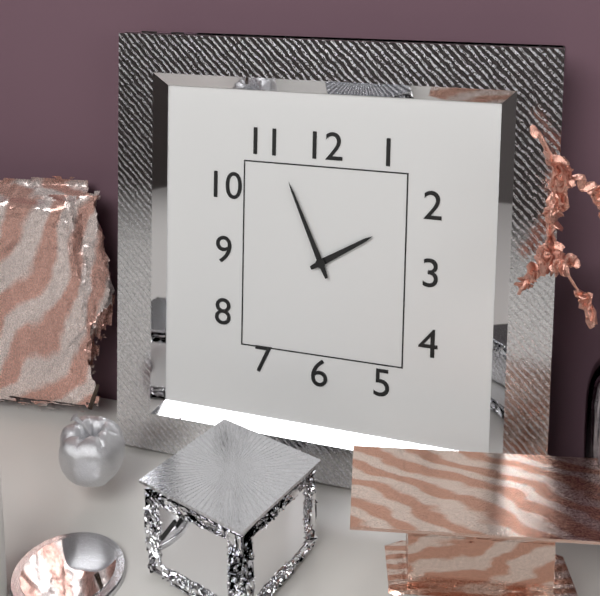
**1:56**
